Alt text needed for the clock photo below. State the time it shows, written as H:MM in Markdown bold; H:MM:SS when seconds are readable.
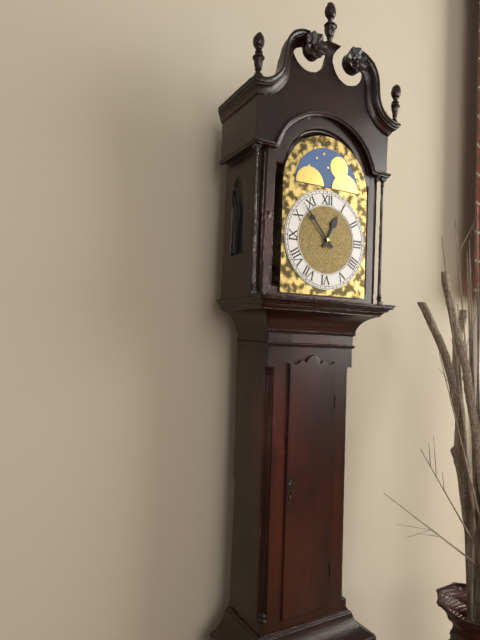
**12:53**
